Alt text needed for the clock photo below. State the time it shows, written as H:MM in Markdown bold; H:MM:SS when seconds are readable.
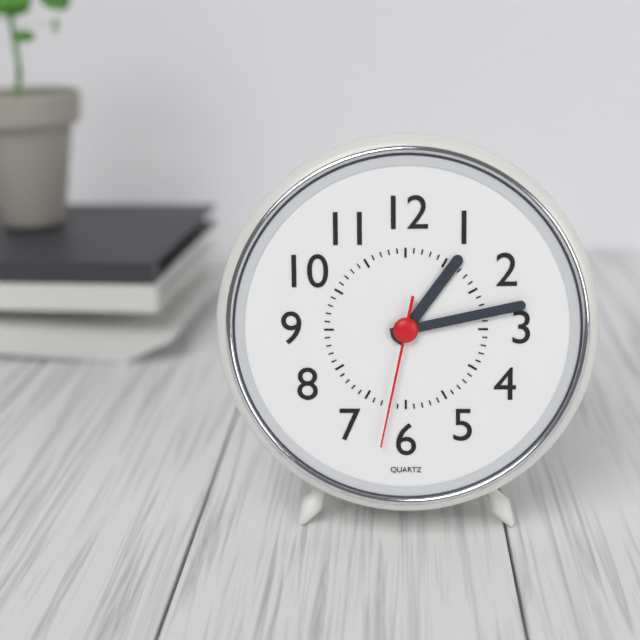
**1:13:32**
